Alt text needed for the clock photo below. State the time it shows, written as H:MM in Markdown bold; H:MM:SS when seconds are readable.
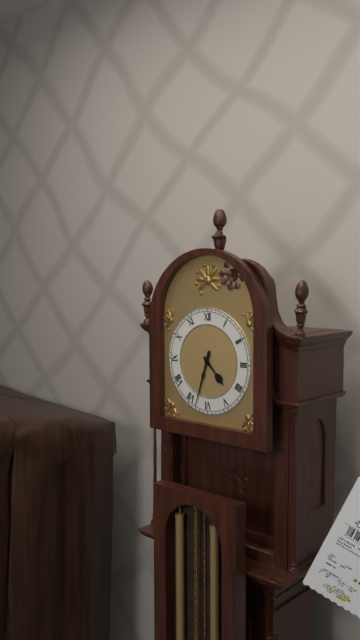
**4:33**
